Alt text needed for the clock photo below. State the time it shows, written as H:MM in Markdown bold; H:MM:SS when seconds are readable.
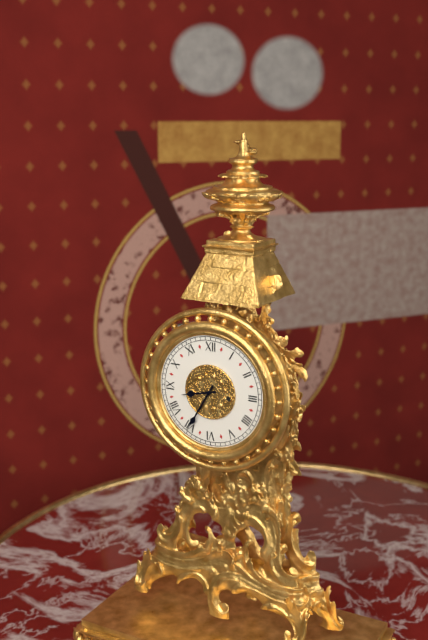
**8:35**
